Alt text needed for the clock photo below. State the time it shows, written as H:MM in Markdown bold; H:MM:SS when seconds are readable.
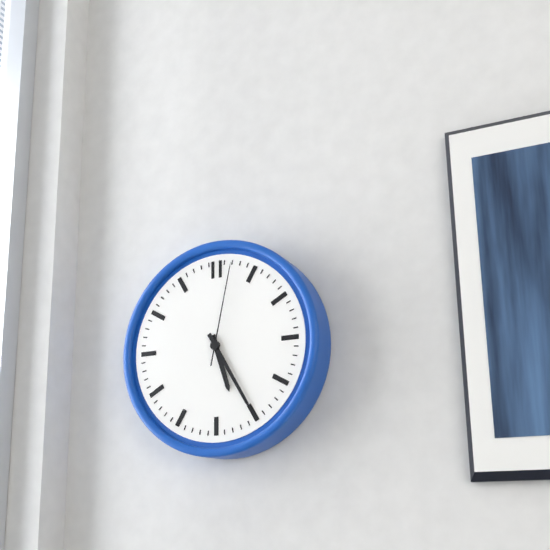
**5:25:02**
